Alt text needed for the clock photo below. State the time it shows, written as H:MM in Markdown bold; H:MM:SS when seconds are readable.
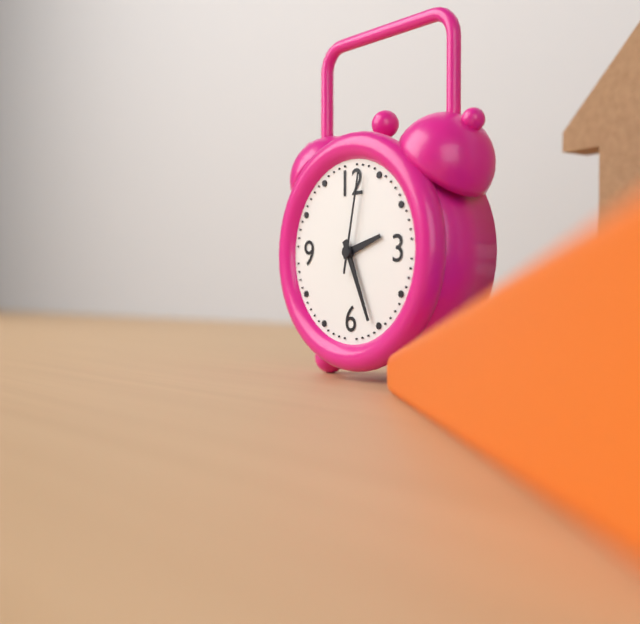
**2:26:02**
